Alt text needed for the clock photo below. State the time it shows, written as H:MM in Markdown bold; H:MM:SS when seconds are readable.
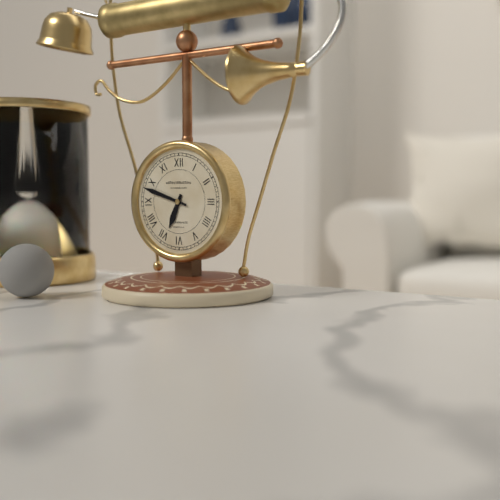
**6:48**
